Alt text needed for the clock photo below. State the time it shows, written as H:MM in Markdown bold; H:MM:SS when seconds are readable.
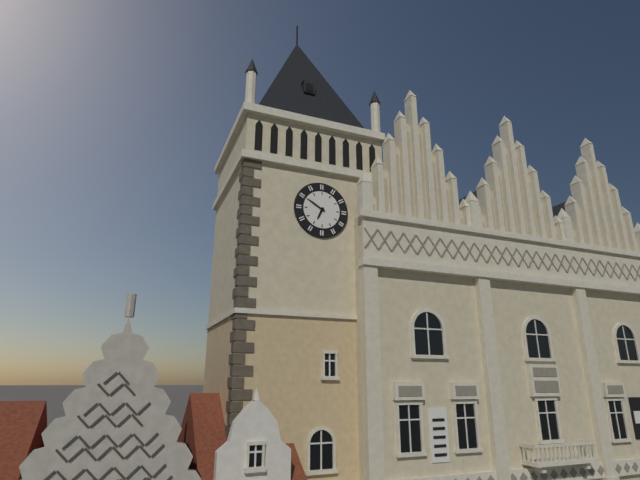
**6:50**
